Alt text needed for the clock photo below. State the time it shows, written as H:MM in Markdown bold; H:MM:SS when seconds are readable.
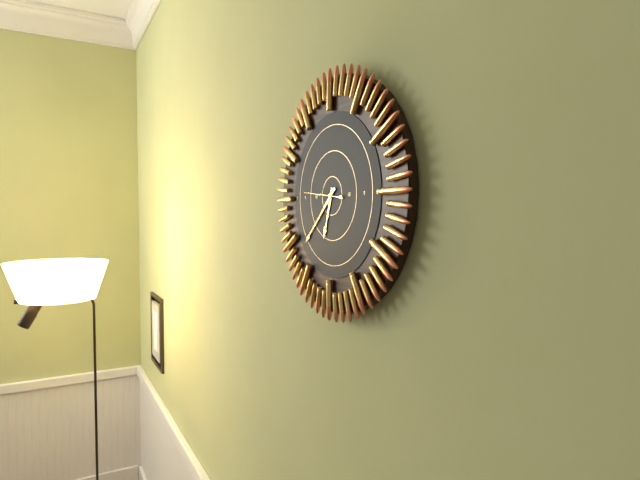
**6:38**
